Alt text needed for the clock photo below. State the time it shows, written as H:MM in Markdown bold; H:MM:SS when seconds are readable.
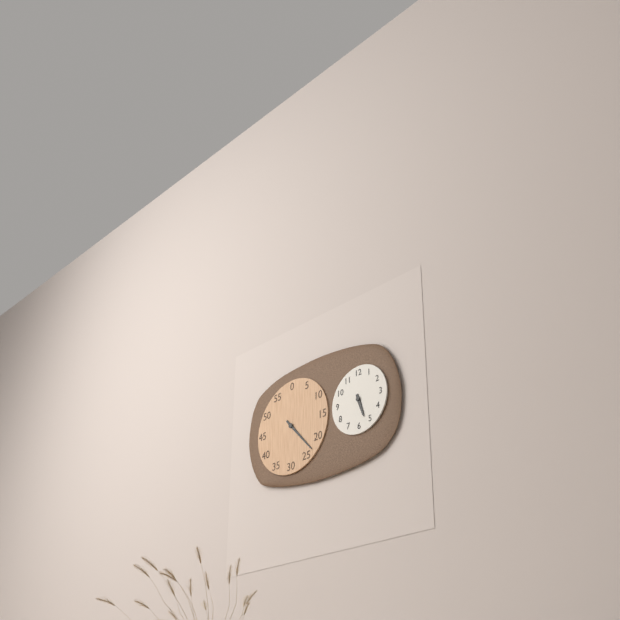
**5:23**
